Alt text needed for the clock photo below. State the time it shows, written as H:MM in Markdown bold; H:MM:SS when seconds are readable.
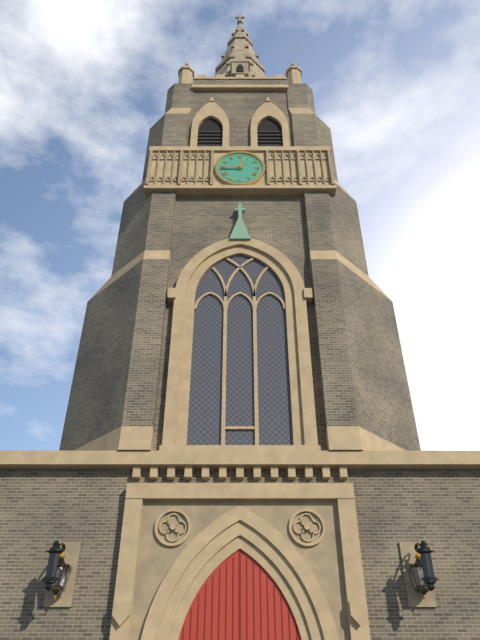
**12:45**
